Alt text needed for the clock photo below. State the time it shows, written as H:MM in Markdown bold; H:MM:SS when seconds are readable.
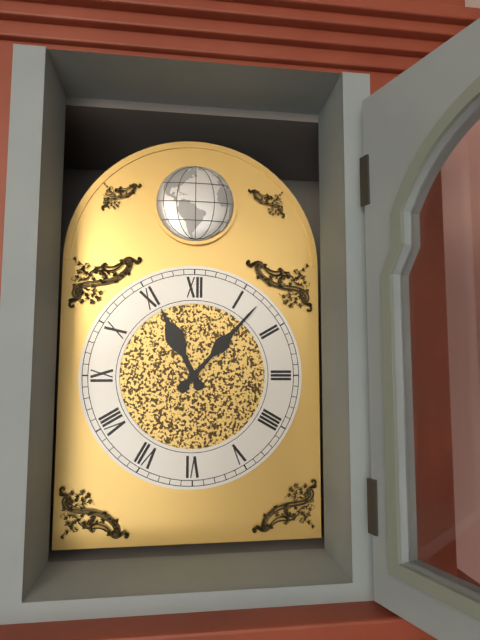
**11:07**
